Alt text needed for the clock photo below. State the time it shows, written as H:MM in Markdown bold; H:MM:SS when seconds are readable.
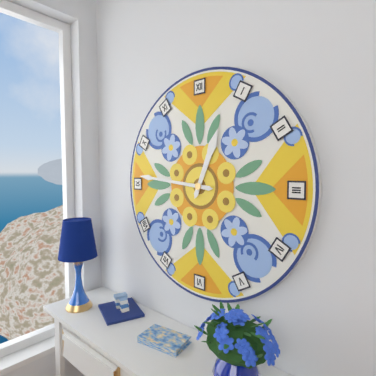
**12:46**
